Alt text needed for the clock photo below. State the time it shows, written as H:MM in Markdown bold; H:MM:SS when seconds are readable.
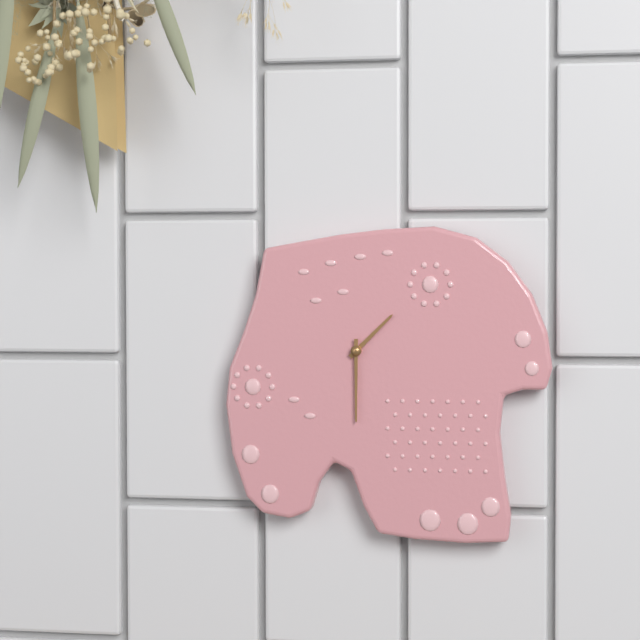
**1:30**
